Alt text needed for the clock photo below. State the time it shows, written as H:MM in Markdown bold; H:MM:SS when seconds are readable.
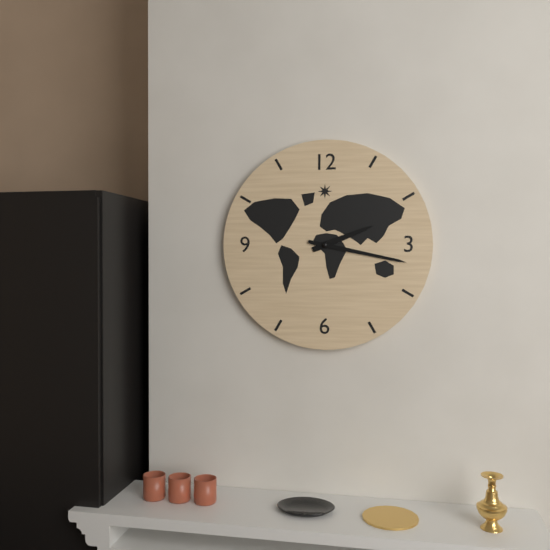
**2:17**
